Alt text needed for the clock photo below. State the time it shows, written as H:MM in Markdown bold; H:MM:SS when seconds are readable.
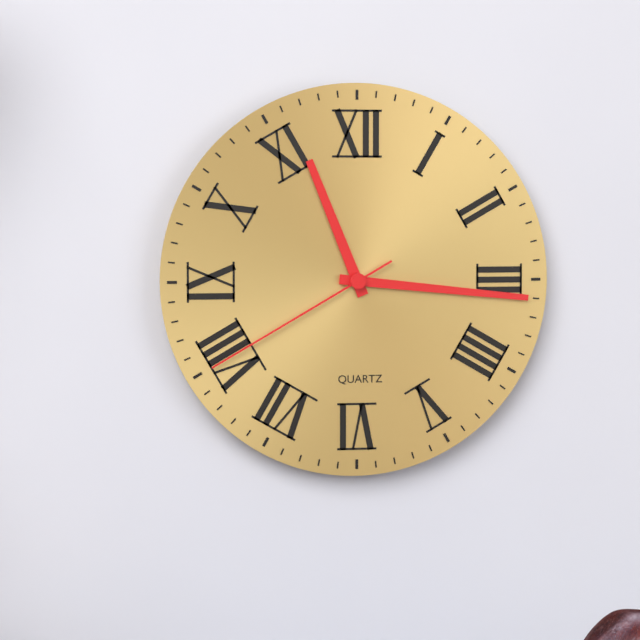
**11:16:40**
